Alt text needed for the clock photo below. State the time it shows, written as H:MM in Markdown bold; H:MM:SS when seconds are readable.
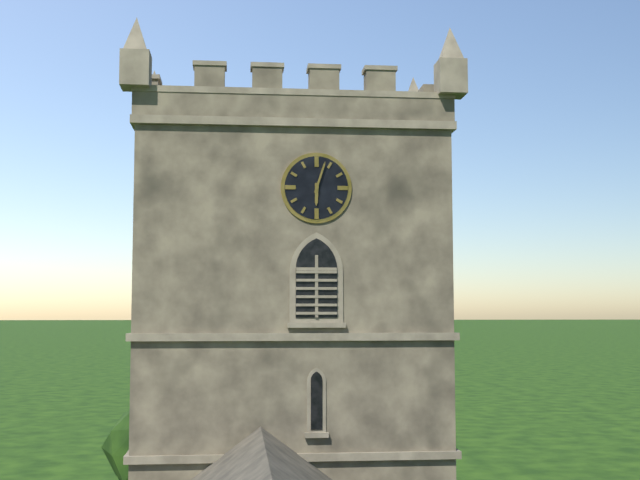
**6:03**
